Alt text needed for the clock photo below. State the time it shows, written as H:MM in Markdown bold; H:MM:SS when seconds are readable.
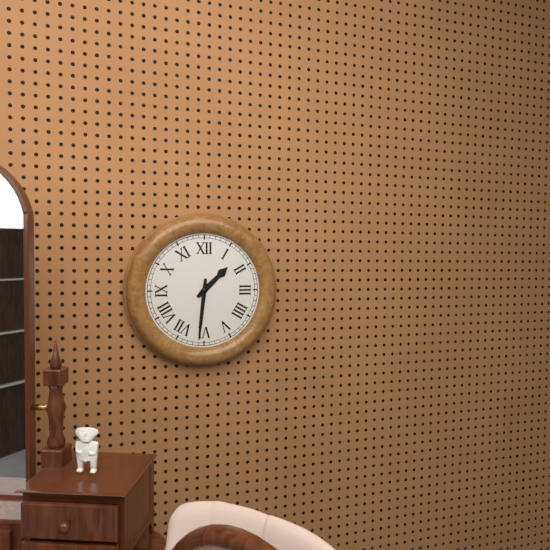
**1:31**
